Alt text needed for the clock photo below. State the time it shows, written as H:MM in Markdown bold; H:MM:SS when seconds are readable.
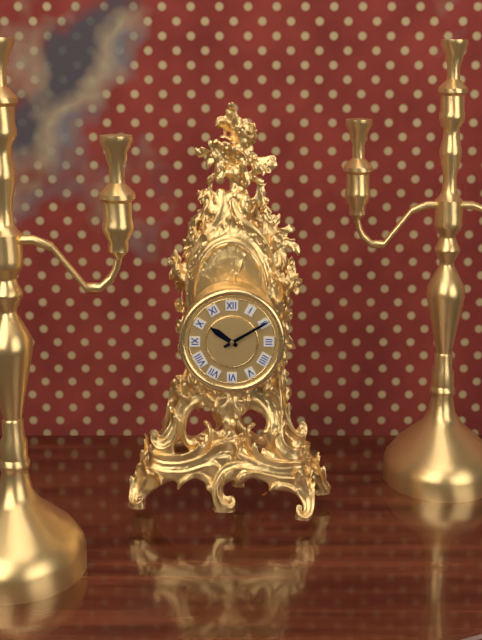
**10:10**
